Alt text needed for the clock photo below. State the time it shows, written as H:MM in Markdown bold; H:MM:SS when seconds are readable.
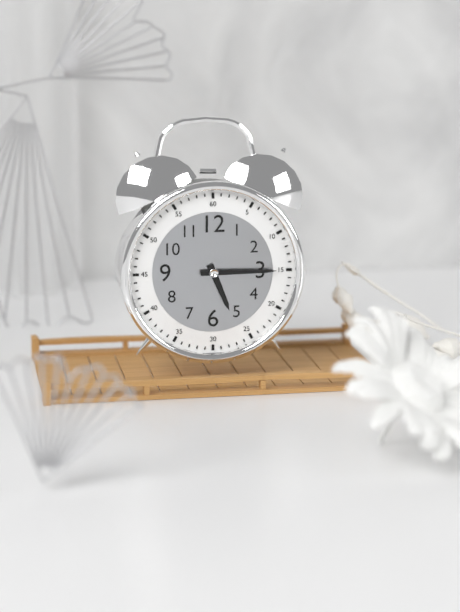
**5:15**
